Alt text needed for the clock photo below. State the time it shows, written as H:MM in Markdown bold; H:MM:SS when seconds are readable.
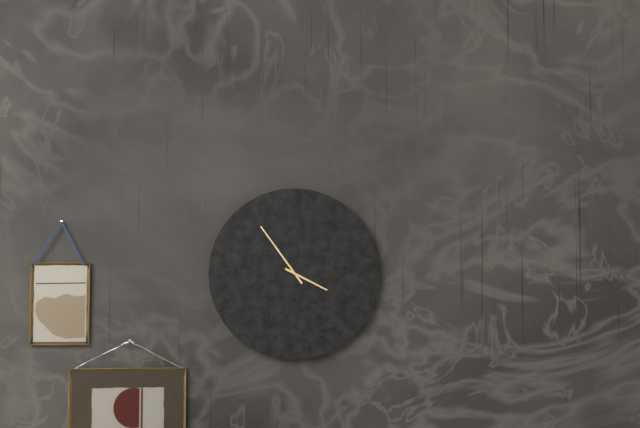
**3:54**
